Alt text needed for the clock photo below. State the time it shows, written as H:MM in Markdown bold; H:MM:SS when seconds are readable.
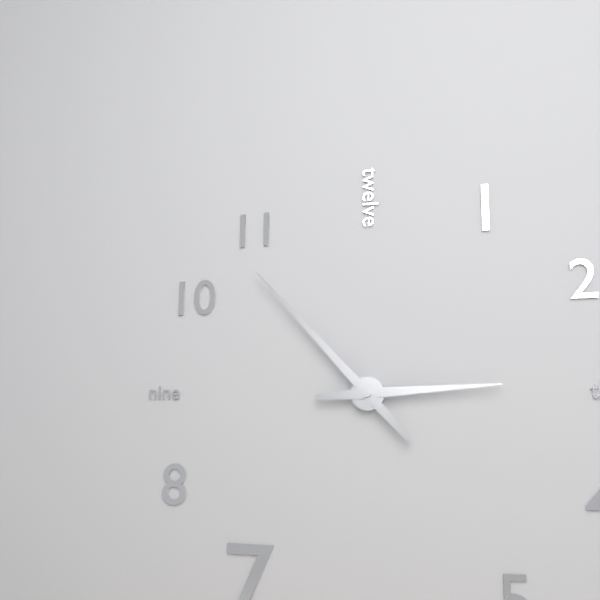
**2:53**
